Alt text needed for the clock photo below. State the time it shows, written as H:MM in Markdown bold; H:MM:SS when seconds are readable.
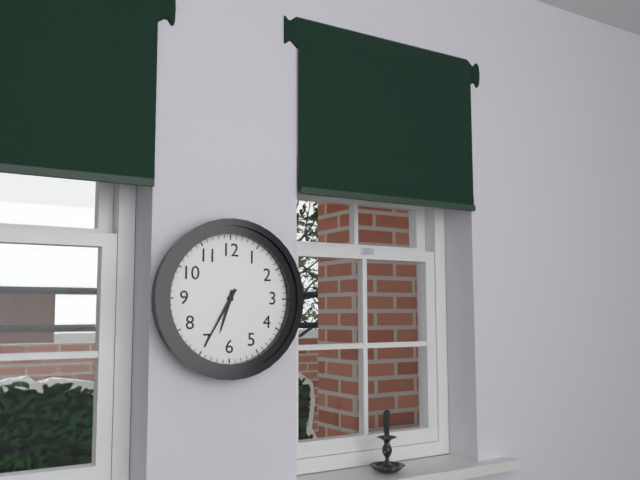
**6:35**
